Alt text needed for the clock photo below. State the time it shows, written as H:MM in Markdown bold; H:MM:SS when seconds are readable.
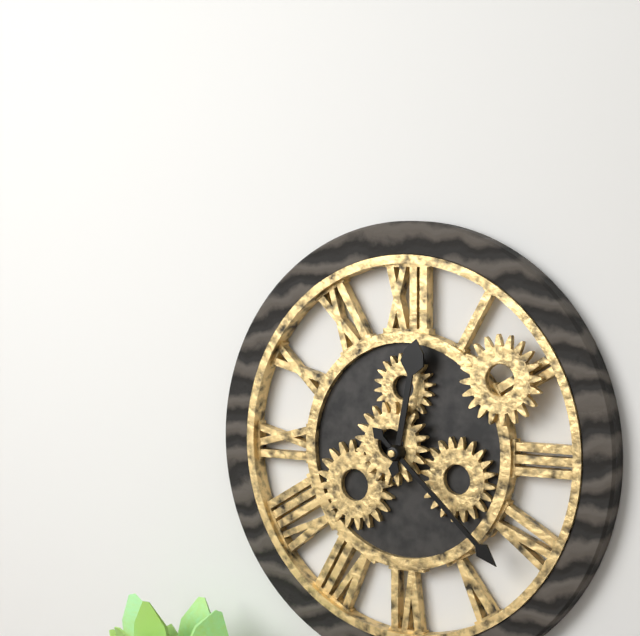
**12:22**
